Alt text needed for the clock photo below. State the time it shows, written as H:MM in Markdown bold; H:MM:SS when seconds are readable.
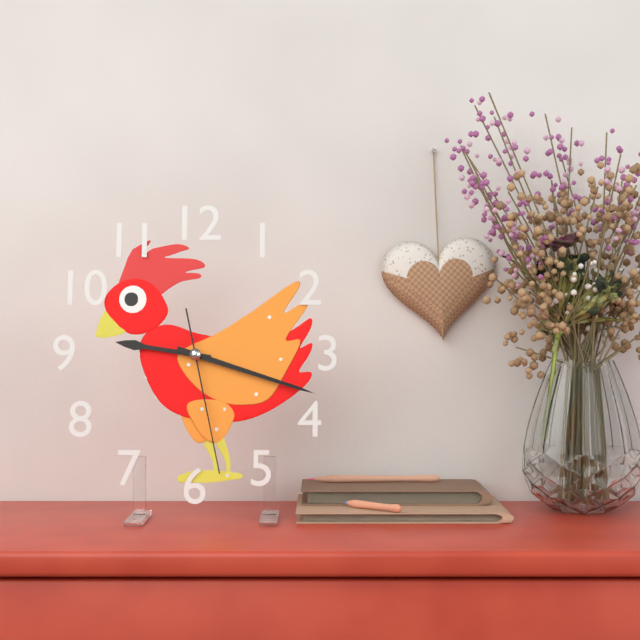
**9:18:28**
